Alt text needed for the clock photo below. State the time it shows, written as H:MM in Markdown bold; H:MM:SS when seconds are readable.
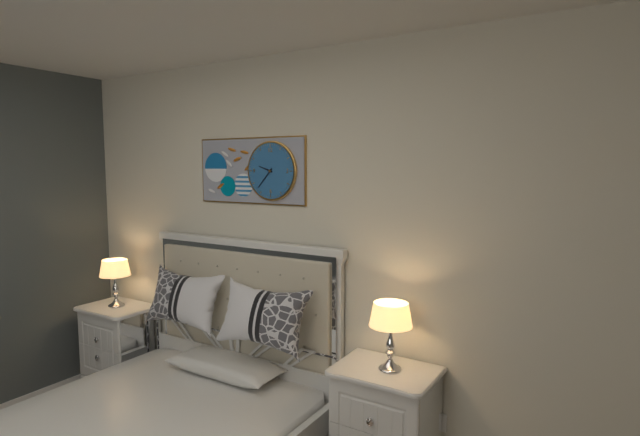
**9:37**
